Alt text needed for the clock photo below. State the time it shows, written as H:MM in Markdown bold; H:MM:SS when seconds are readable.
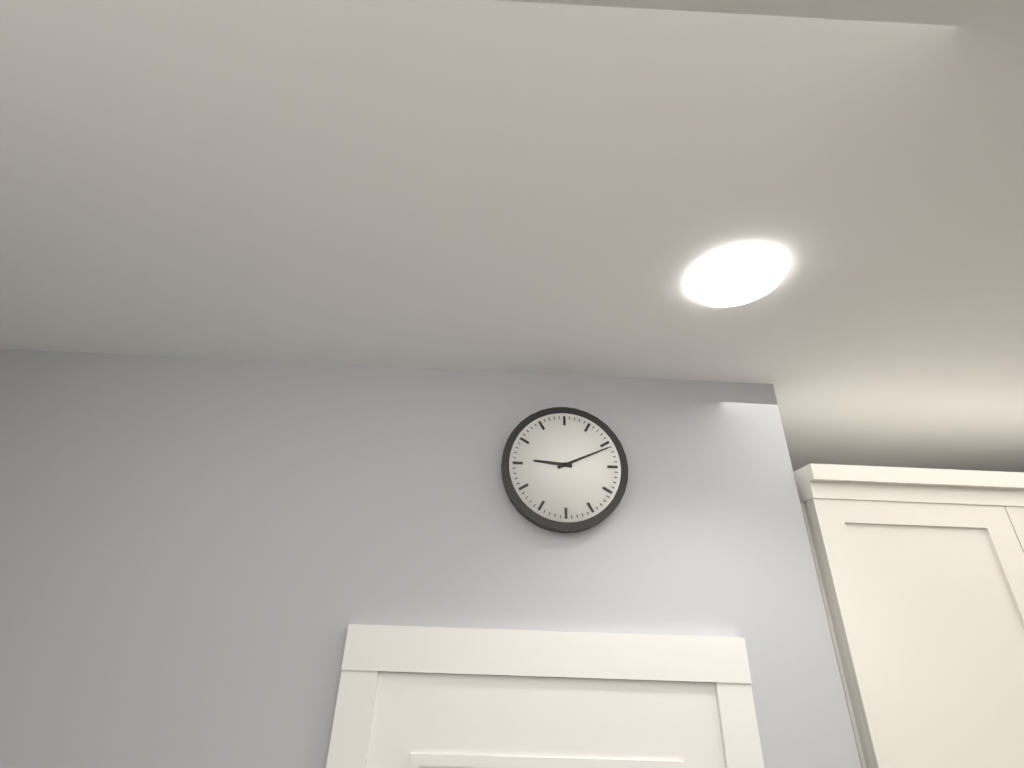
**9:11**
